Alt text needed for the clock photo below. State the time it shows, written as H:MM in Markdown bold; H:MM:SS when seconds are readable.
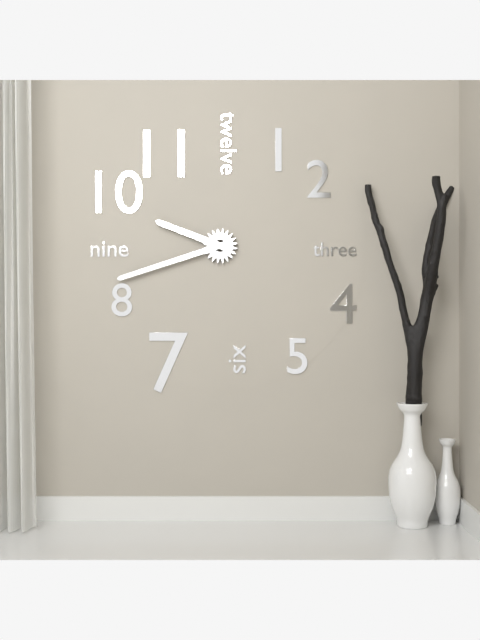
**9:42**
